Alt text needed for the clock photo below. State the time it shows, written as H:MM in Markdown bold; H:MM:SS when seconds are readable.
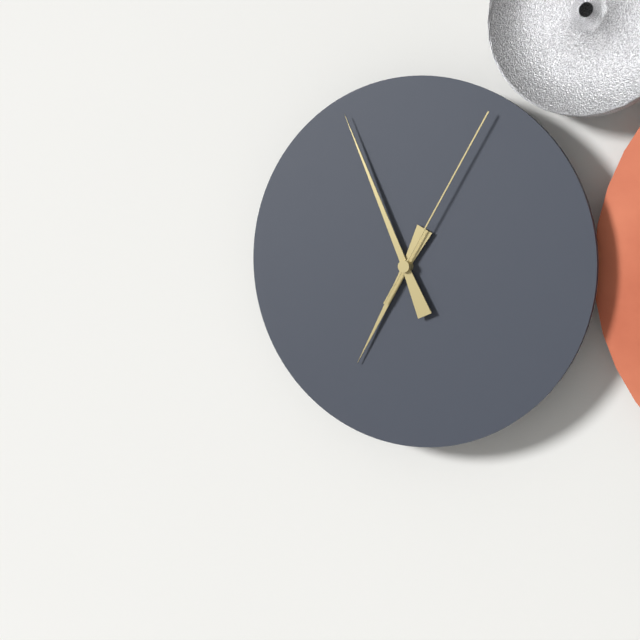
**6:56:05**
